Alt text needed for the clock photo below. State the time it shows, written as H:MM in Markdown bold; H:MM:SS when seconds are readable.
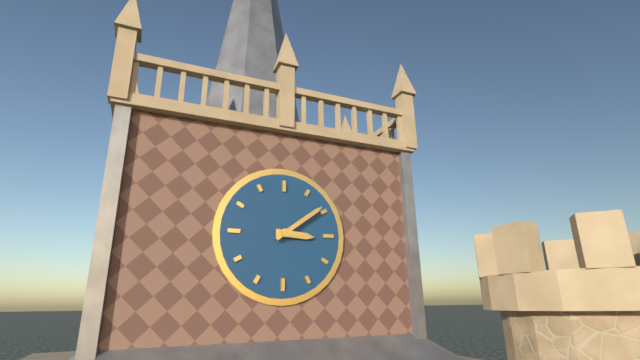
**3:09**
